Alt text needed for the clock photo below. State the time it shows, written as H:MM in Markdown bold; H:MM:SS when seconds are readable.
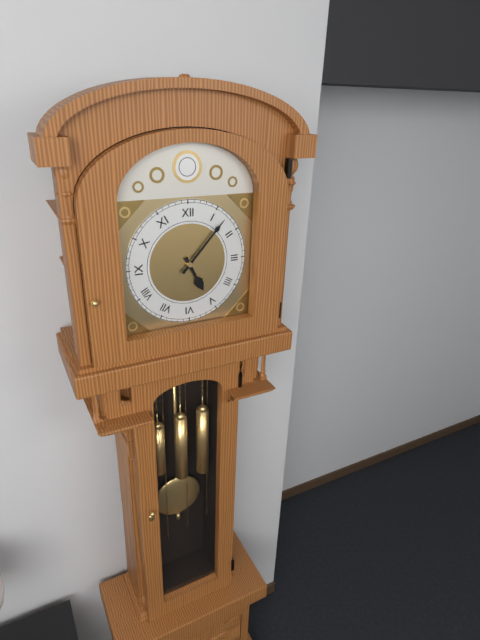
**5:07**
